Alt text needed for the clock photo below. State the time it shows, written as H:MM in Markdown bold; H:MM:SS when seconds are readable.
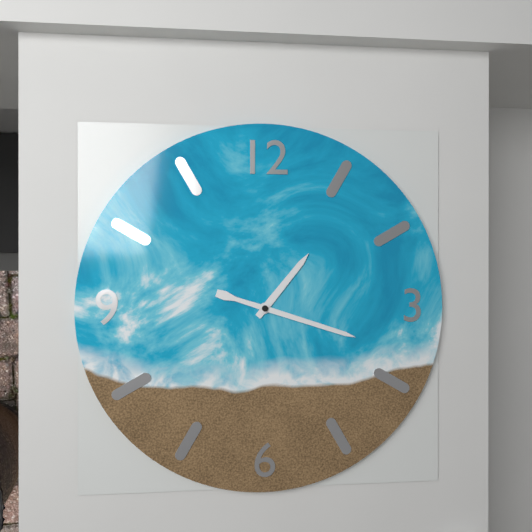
**1:18**
